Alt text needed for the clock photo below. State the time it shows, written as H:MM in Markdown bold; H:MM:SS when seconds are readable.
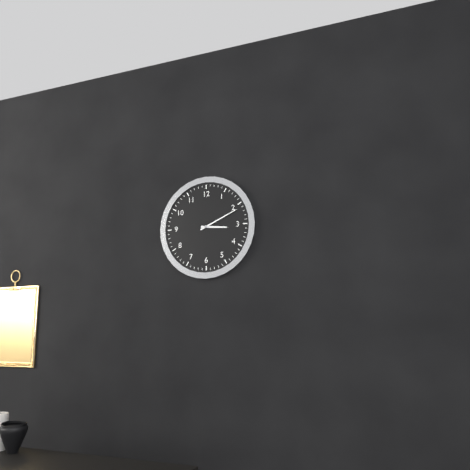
**3:11**
